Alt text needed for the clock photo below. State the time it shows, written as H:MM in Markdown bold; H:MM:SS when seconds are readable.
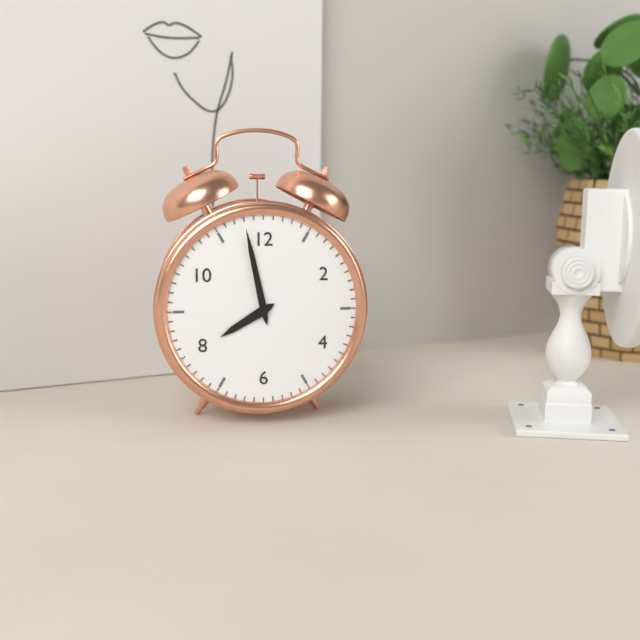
**7:58**
